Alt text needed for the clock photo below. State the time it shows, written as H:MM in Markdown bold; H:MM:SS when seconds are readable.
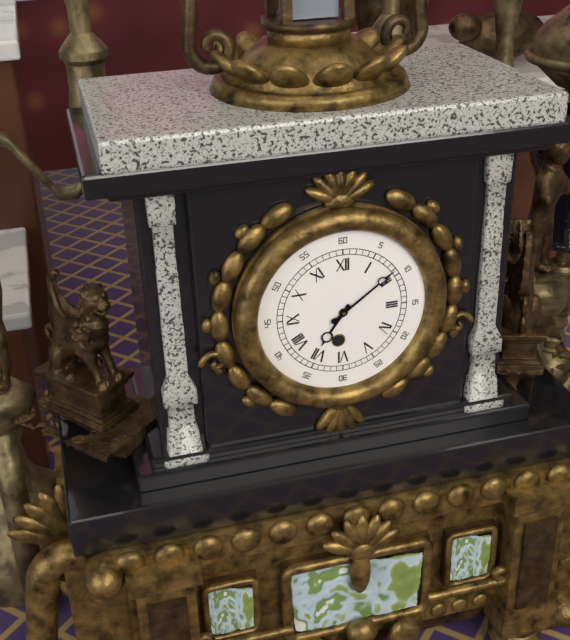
**7:09**
